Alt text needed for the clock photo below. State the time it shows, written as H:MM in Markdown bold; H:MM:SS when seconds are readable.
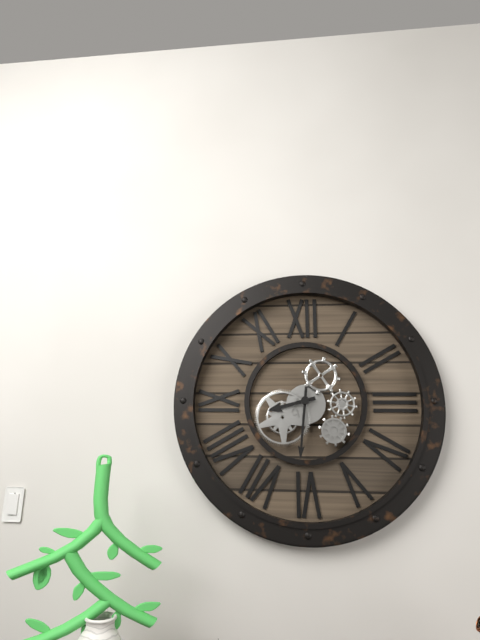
**8:31**
